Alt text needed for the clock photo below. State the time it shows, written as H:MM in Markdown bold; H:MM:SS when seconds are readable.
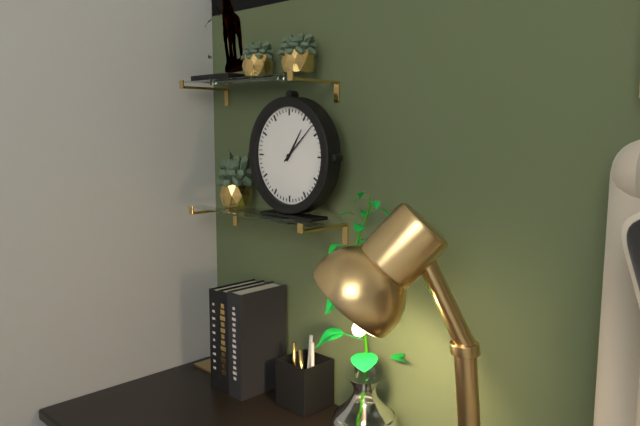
**1:08**
